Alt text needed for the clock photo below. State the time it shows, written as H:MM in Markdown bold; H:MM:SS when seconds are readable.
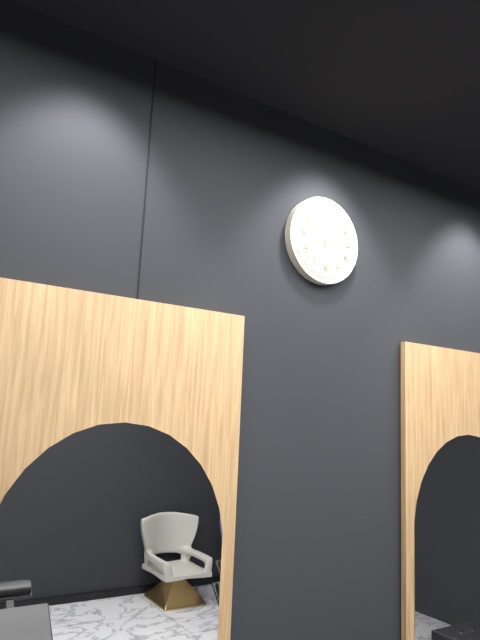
**11:03**
